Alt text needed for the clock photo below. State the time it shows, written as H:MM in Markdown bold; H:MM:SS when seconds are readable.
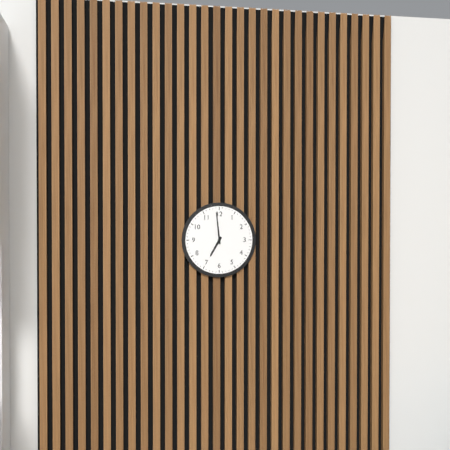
**6:59**
